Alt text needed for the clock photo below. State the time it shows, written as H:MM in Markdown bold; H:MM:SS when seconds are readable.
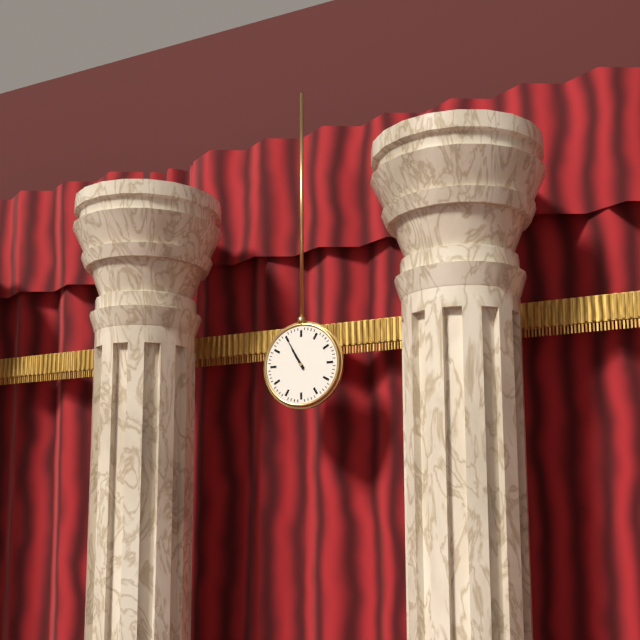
**10:55**
